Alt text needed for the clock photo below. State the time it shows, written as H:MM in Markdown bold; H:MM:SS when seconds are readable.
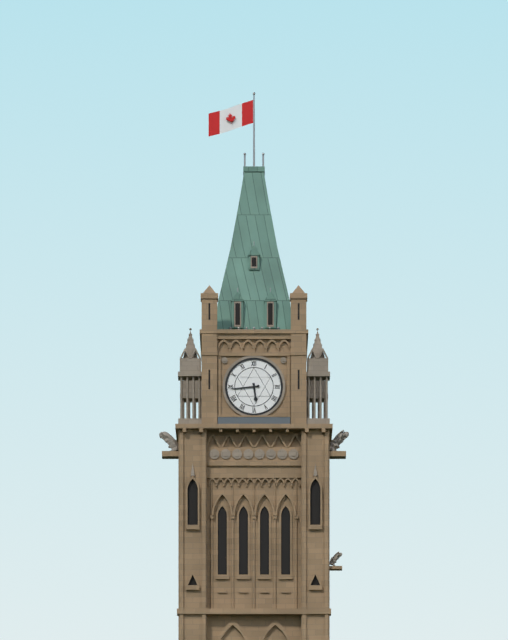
**5:44**
